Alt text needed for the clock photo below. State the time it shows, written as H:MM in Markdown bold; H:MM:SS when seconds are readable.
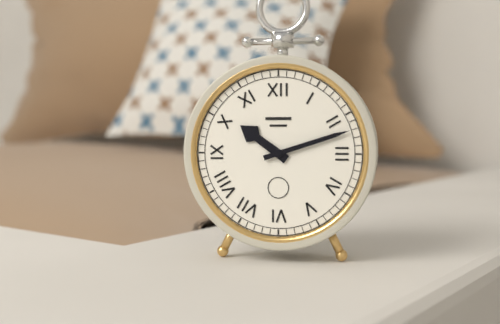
**10:12**
